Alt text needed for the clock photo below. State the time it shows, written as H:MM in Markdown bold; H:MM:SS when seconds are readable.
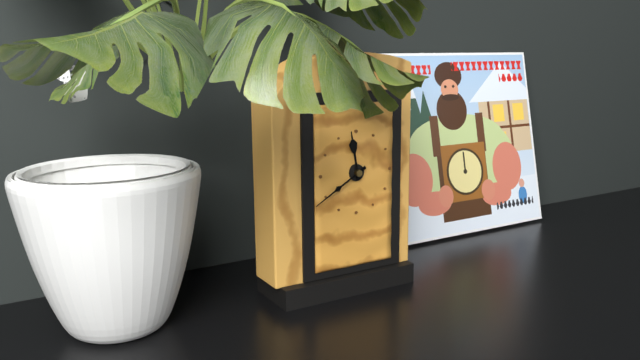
**11:40**
